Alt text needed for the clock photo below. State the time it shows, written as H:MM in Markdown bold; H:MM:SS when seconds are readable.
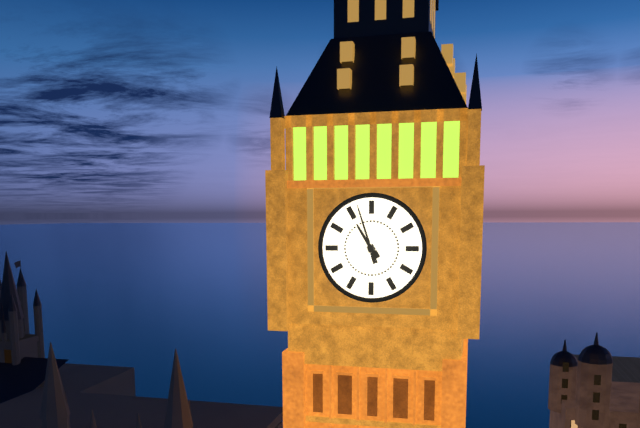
**10:57**
